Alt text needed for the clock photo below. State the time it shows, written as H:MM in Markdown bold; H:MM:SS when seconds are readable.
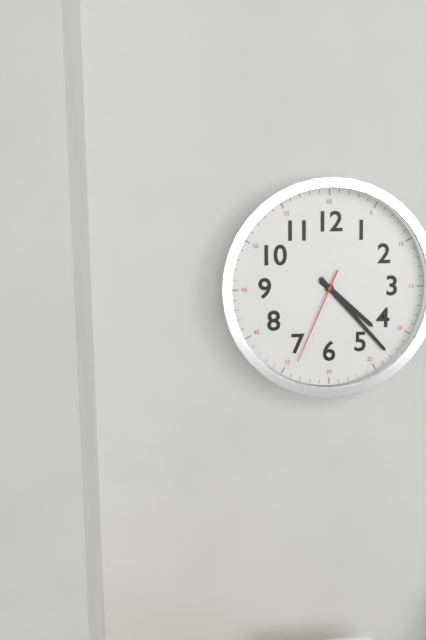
**4:23:34**
